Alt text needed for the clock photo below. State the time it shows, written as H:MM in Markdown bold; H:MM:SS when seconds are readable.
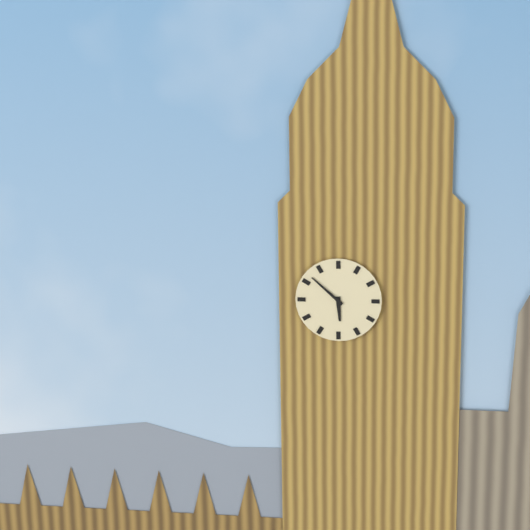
**5:52**
